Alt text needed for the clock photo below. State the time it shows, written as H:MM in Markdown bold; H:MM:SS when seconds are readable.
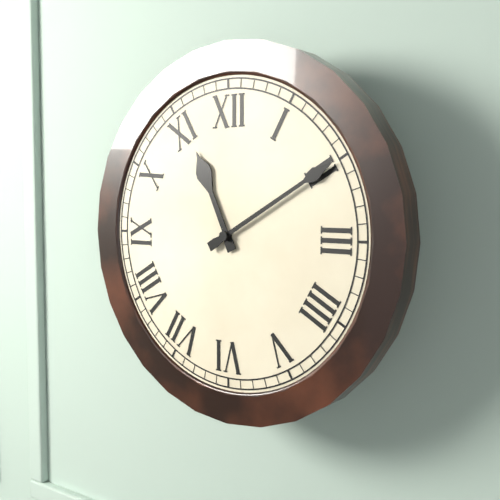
**11:10**
